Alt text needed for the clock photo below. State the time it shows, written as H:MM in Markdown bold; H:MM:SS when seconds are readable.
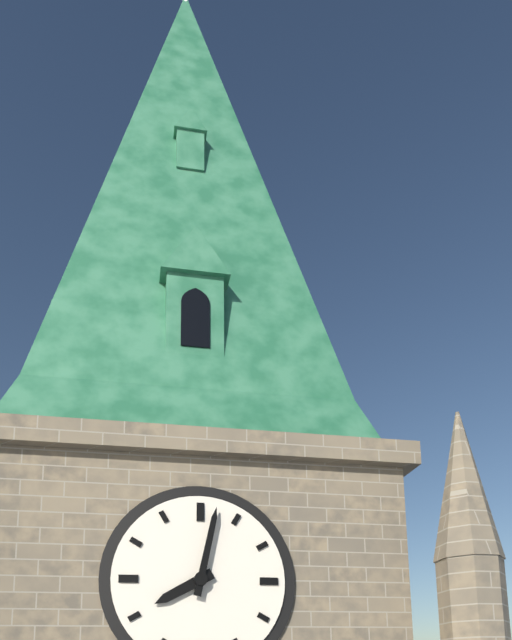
**8:02**
